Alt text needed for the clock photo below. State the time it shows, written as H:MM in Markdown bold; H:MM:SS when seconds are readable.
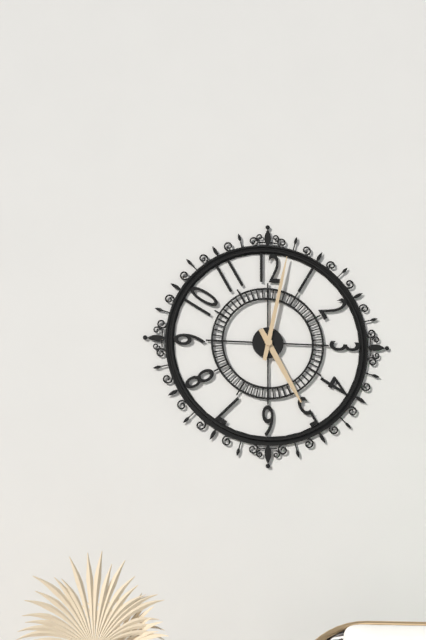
**5:02**
